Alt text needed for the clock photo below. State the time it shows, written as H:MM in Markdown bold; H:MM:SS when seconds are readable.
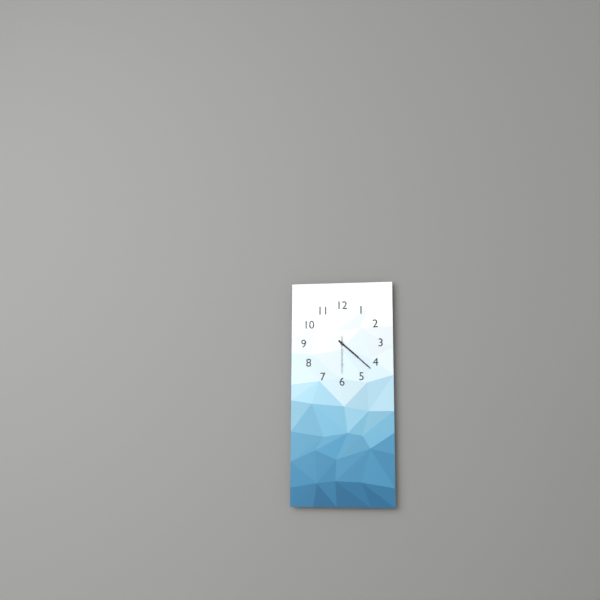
**4:22**
